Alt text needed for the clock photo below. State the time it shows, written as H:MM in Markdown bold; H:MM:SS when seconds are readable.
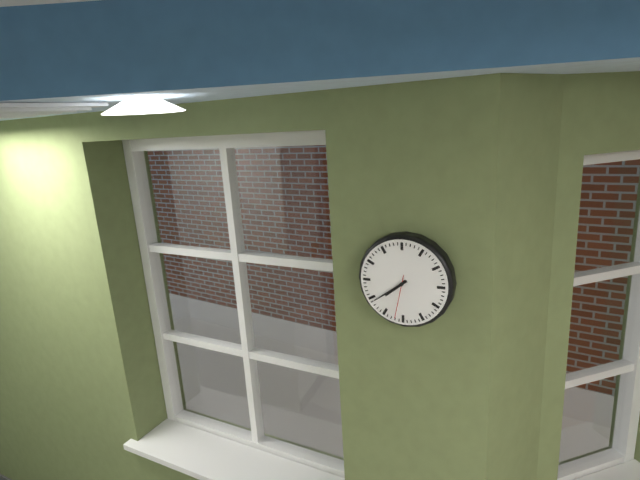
**7:39**
